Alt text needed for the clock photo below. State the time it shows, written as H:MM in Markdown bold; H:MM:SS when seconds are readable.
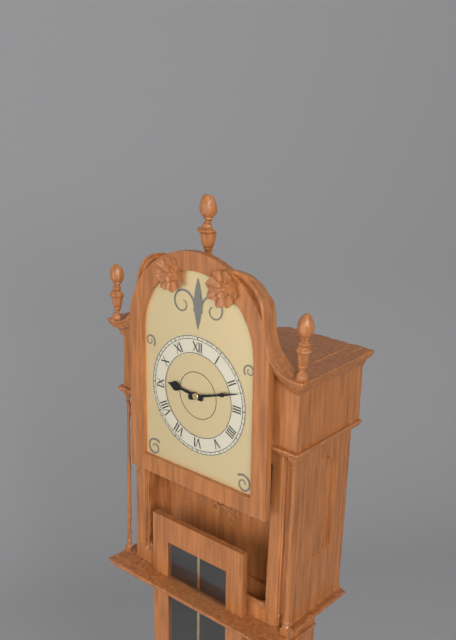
**9:12**
